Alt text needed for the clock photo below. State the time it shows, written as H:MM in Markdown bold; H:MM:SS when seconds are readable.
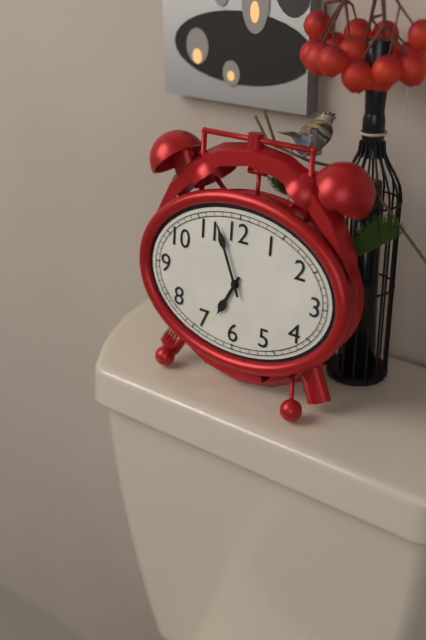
**6:56**
